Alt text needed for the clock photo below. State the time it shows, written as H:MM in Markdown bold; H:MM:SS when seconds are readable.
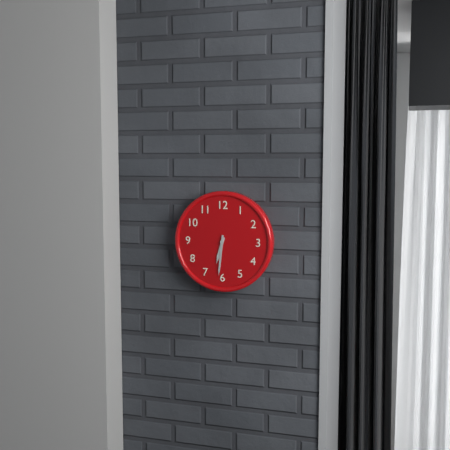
**6:31**
